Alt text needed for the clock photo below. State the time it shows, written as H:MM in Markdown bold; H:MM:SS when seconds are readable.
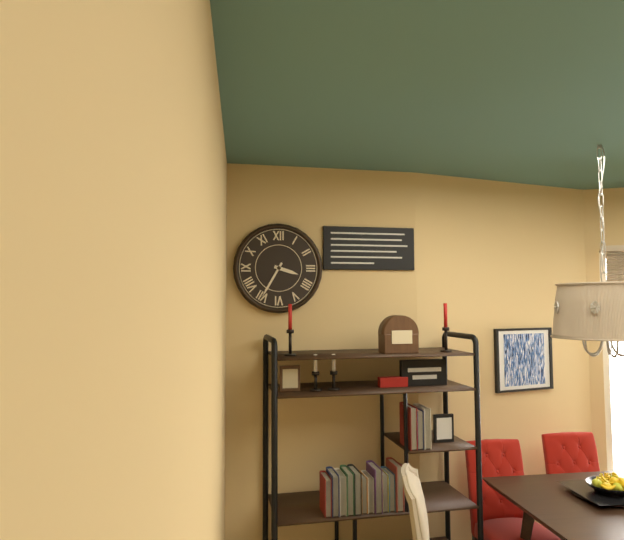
**3:35**
